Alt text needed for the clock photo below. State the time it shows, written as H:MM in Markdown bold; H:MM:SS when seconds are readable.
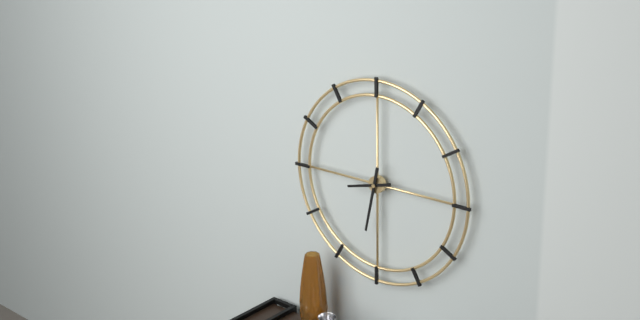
**8:32**
